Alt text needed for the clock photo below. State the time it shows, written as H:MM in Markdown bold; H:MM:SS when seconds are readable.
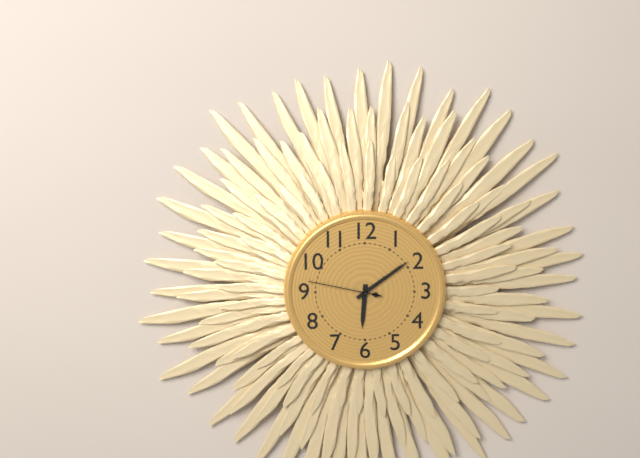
**6:09:47**
